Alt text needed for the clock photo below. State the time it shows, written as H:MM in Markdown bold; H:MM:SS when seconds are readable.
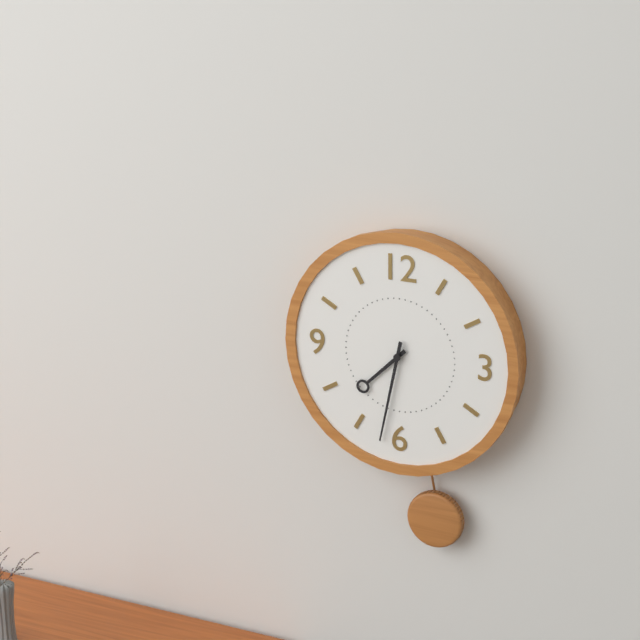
**7:32**
